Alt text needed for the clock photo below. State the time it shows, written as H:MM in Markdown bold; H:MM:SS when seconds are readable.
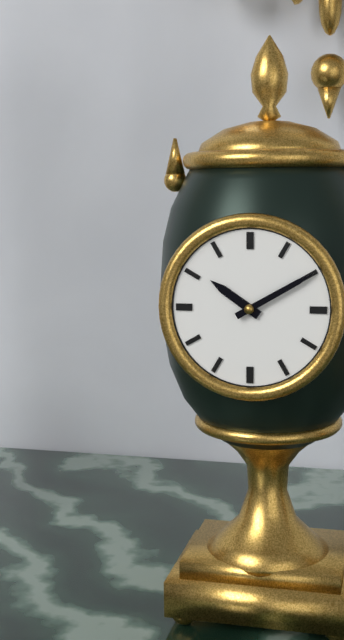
**10:10**
